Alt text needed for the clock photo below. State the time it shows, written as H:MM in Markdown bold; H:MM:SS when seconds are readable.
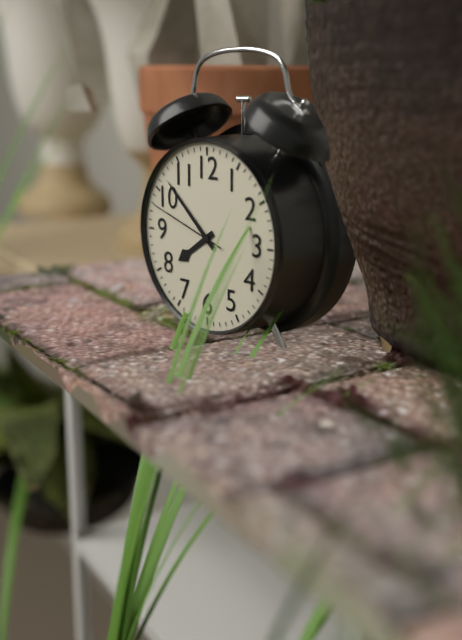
**7:52:48**
